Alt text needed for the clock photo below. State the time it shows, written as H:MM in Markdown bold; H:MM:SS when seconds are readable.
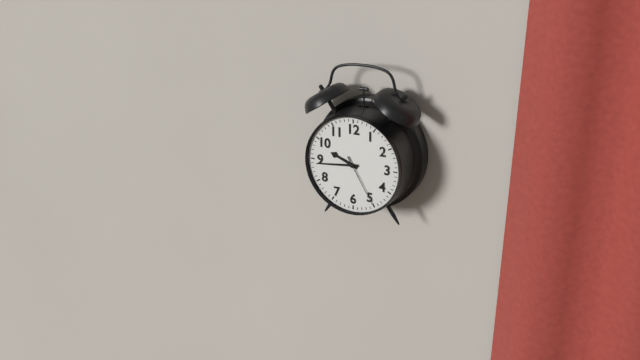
**9:44:25**
